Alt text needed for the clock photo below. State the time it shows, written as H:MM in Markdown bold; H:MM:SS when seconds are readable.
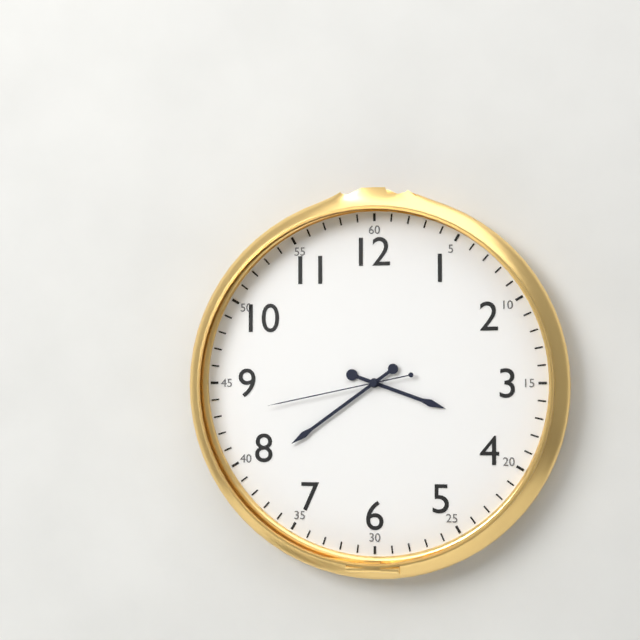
**3:39:43**
